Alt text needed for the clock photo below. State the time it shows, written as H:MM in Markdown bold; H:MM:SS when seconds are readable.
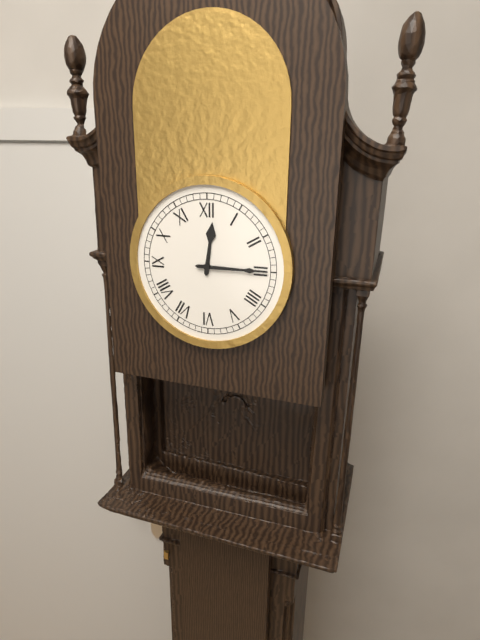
**12:15**
